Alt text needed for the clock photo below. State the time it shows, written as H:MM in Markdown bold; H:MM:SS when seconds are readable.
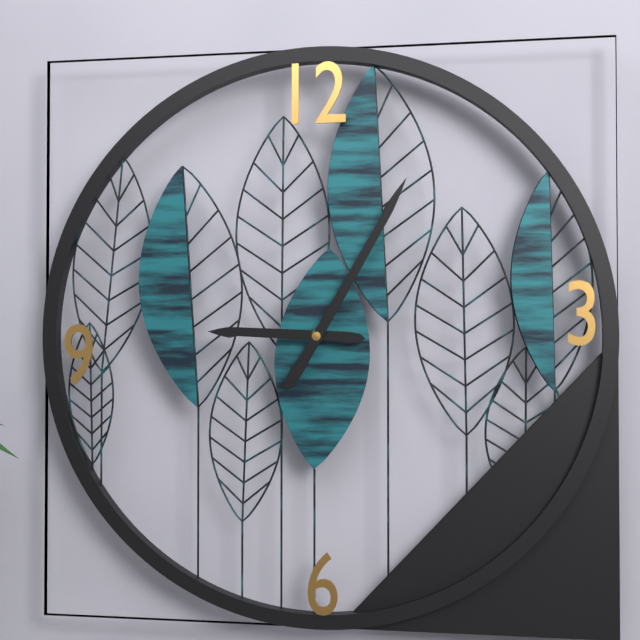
**9:05**
